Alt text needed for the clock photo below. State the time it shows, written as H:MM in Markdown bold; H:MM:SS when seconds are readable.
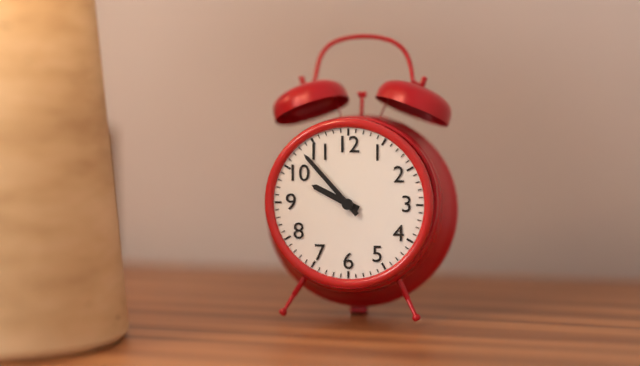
**9:53**
